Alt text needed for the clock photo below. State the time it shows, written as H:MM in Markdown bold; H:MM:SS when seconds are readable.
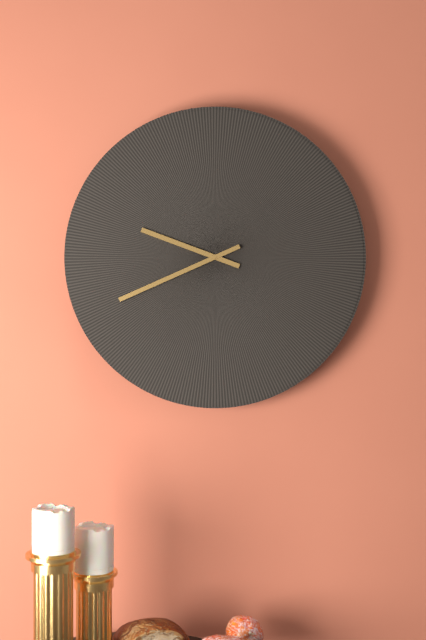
**9:41**
